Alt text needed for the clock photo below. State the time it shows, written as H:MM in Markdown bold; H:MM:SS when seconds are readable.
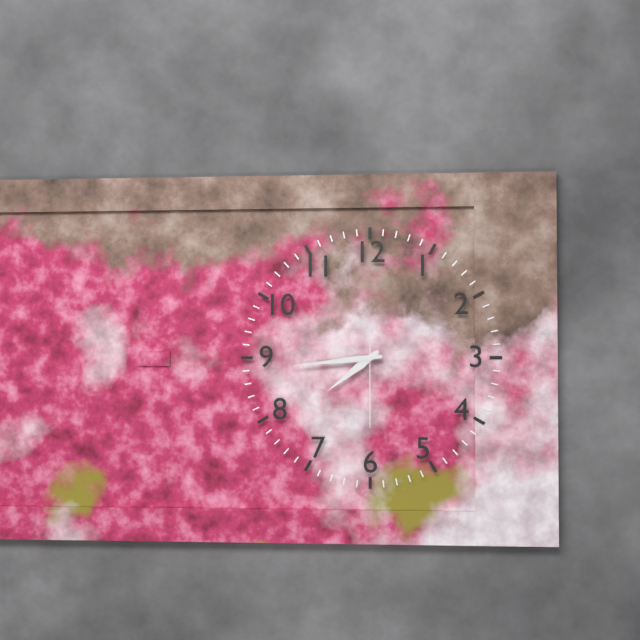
**7:44:30**
